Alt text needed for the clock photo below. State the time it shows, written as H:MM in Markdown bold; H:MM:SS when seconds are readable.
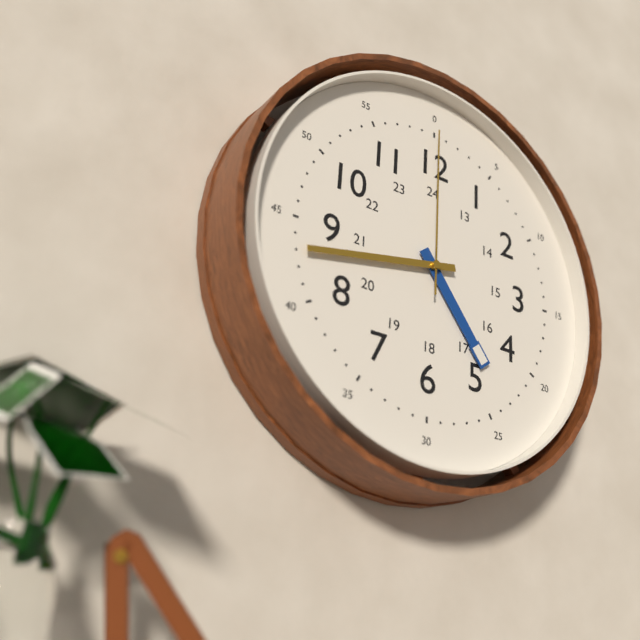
**4:43:00**
